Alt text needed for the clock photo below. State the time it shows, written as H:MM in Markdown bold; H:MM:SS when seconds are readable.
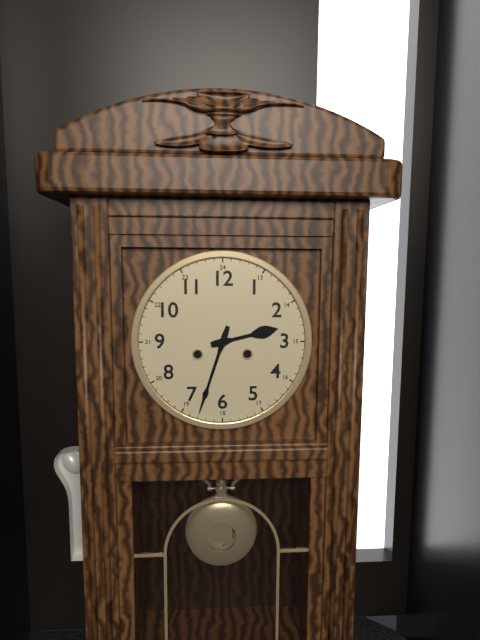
**2:33**
